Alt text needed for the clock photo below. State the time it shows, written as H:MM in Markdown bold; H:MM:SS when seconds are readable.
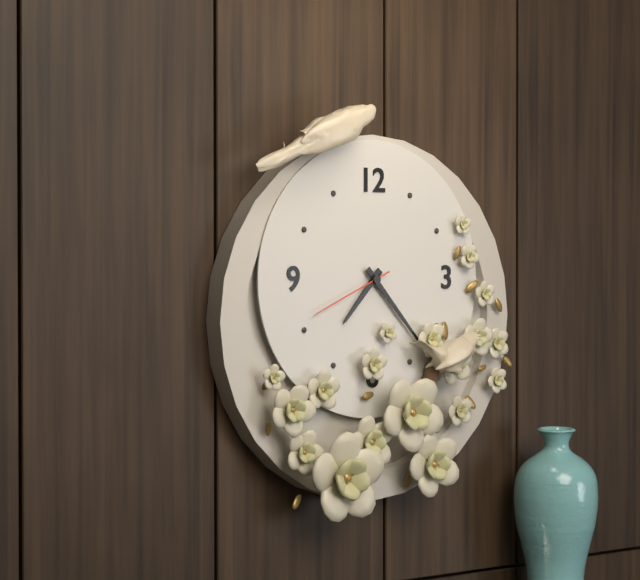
**7:23:41**
